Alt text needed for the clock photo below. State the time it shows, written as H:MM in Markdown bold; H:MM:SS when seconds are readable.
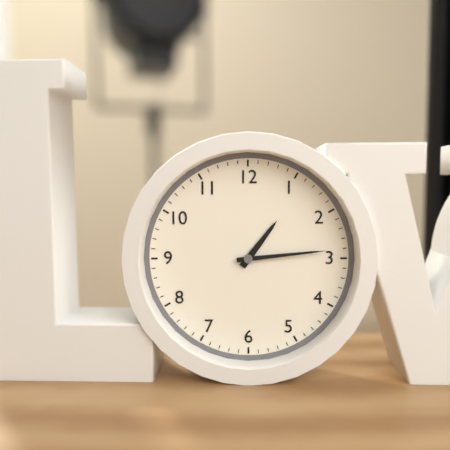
**1:14**
